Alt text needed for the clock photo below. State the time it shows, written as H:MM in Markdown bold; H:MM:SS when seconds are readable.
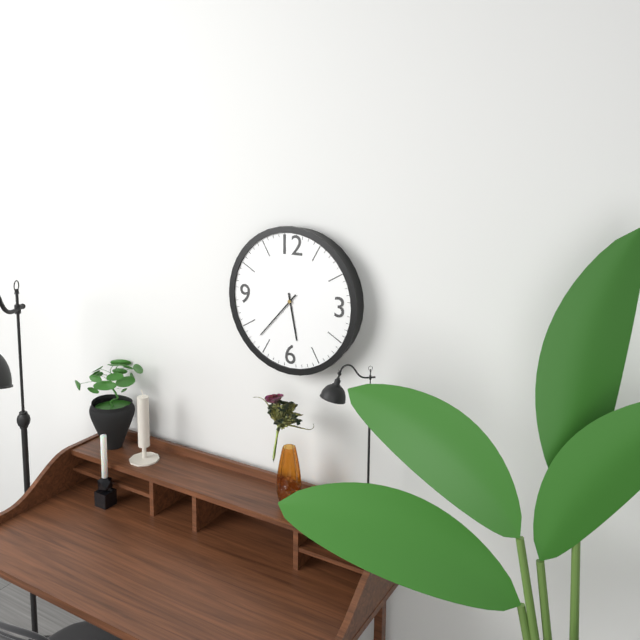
**5:37**
